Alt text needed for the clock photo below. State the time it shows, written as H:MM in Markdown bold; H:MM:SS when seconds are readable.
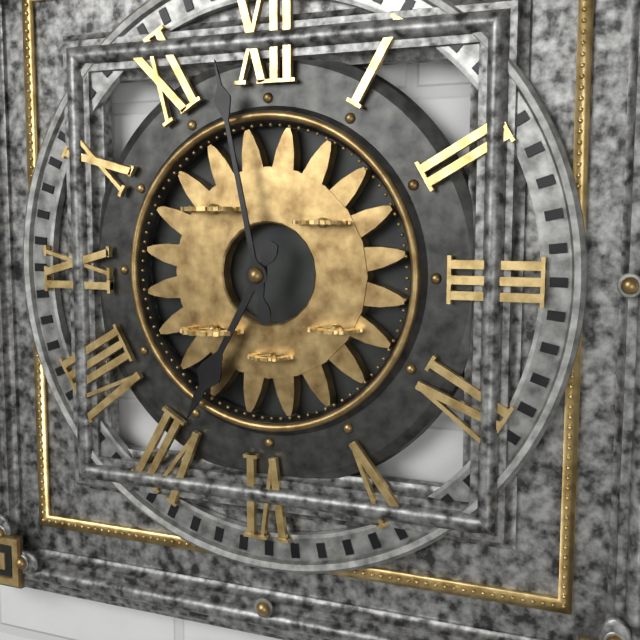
**6:58**
